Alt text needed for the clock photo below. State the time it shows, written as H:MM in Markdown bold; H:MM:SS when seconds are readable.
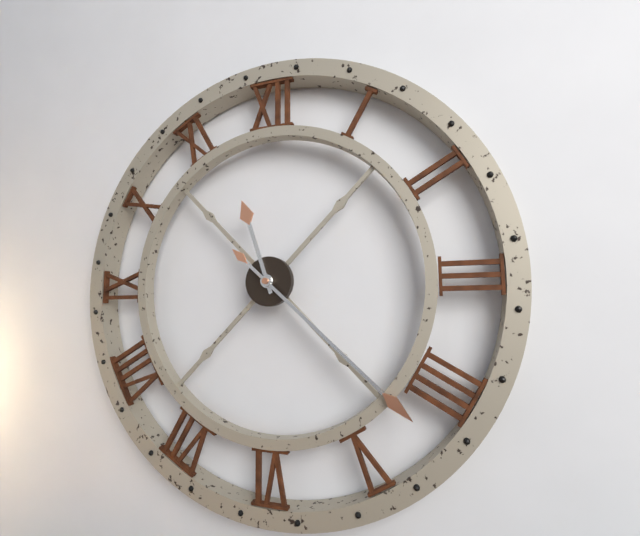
**11:22**
